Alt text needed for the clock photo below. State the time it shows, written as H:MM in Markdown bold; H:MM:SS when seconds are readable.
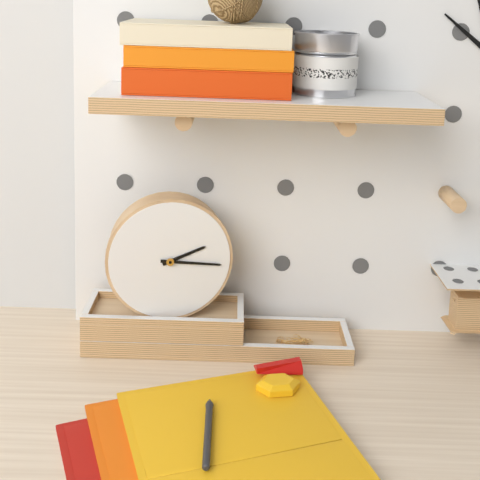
**2:16**
